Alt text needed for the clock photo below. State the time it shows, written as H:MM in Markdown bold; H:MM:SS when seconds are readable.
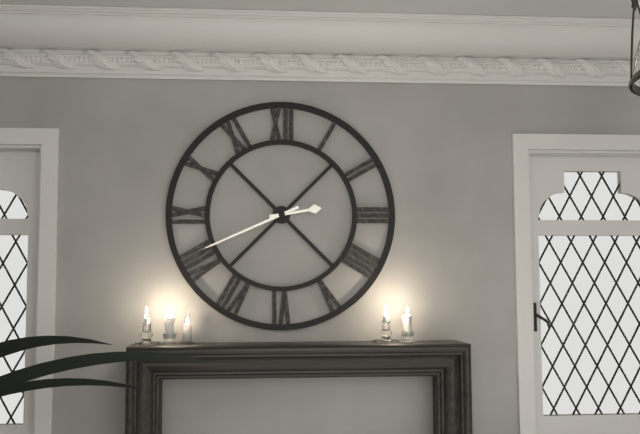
**2:41**
